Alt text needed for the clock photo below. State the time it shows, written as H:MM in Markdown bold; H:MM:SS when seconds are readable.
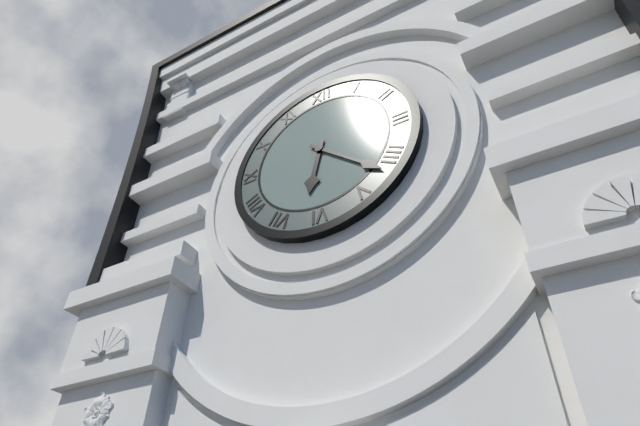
**6:22**
